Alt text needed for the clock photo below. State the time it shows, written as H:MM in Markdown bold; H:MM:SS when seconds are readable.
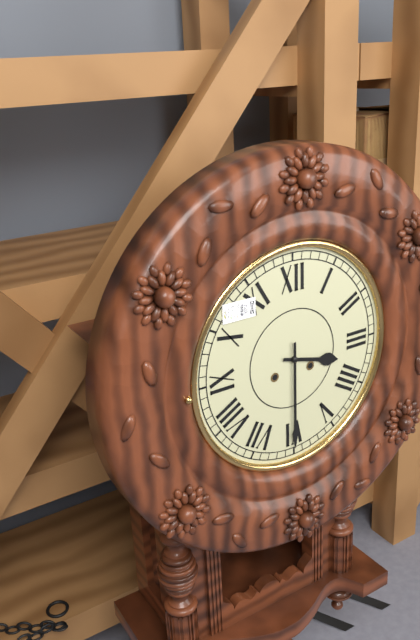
**3:30**
